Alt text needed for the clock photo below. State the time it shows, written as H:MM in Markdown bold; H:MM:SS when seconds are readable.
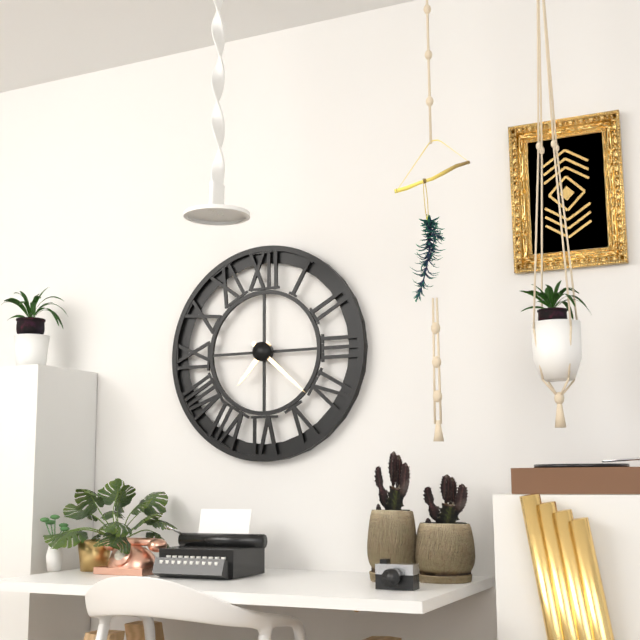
**7:22**
